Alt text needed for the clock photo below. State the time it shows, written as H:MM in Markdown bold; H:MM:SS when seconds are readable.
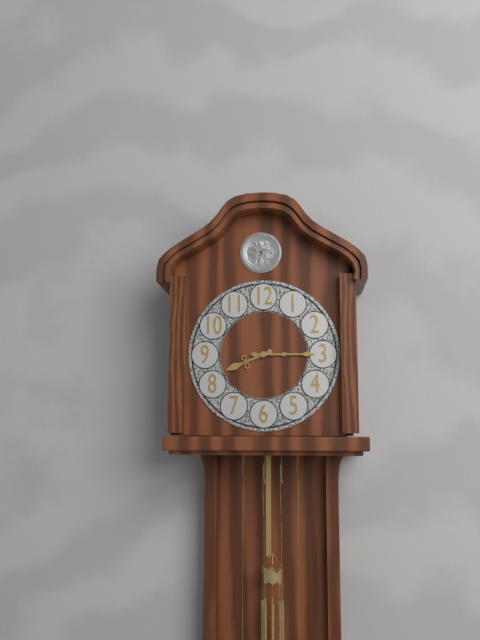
**8:15**
